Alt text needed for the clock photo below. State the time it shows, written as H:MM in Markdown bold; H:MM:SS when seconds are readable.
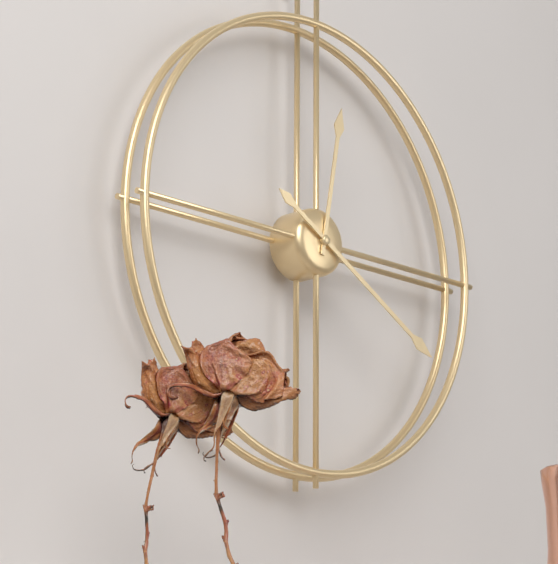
**12:20**
